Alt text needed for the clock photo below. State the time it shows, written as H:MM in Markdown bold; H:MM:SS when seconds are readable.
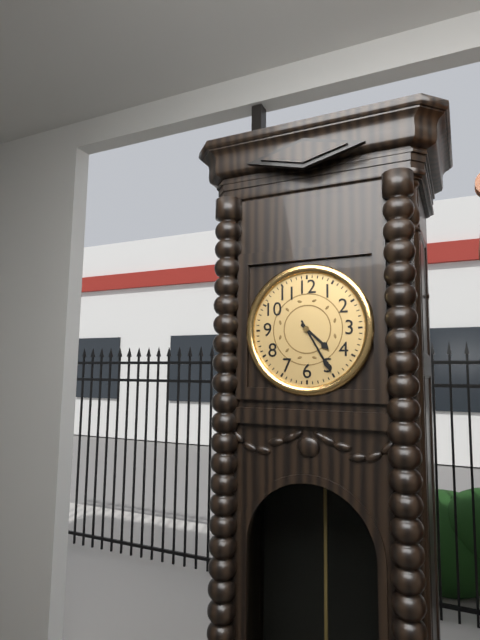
**4:25**
